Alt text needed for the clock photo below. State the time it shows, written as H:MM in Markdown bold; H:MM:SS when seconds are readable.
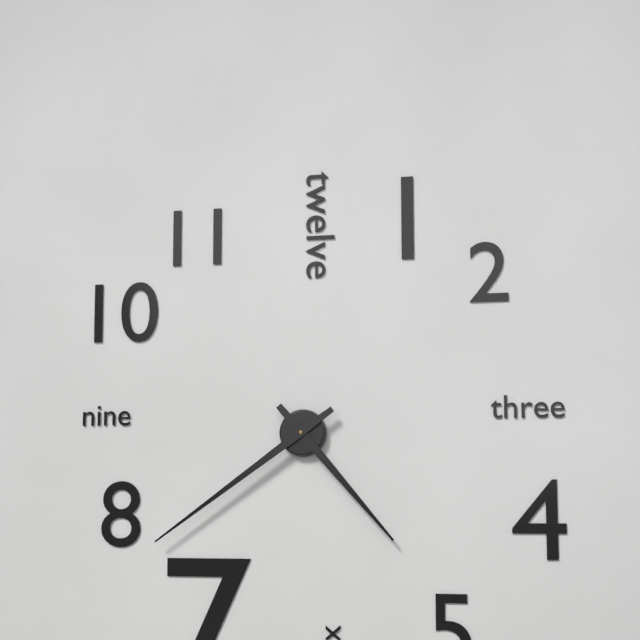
**4:39**
